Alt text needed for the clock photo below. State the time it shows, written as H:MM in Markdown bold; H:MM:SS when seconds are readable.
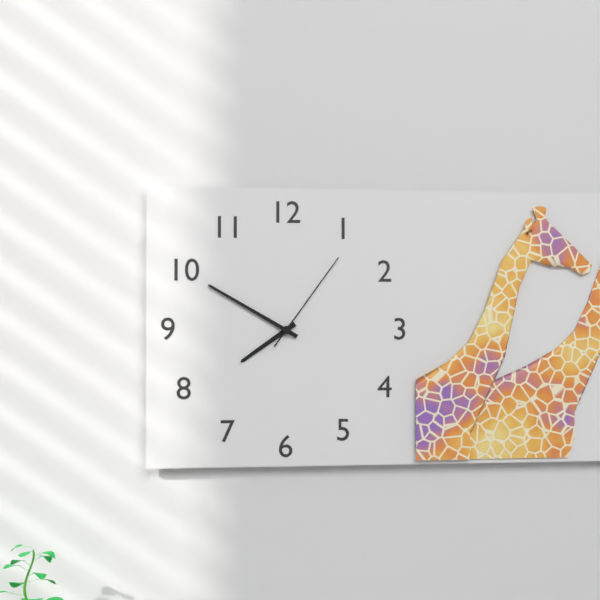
**7:50:06**
